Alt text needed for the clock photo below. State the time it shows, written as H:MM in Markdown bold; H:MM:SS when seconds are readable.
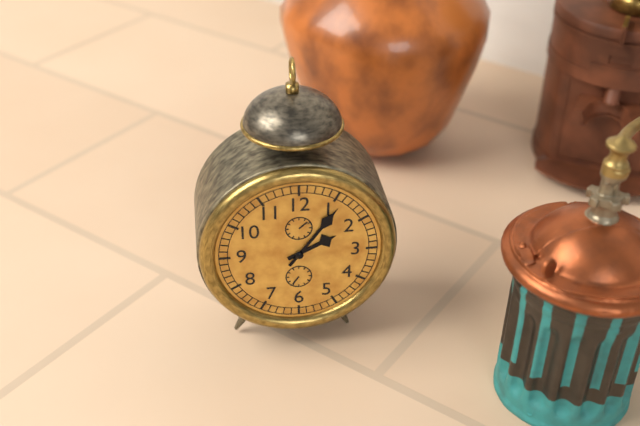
**2:06**
